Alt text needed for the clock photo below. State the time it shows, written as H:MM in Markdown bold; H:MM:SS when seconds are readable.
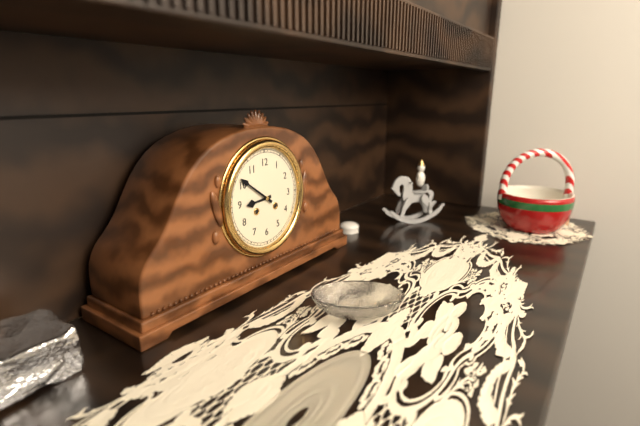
**8:51**
